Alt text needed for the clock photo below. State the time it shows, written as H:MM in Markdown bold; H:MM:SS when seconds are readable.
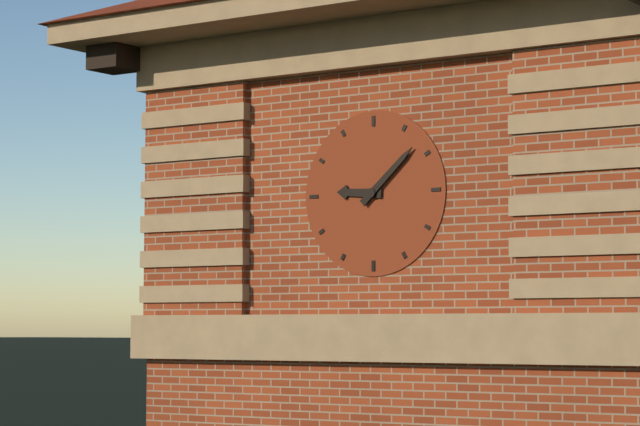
**9:08**
